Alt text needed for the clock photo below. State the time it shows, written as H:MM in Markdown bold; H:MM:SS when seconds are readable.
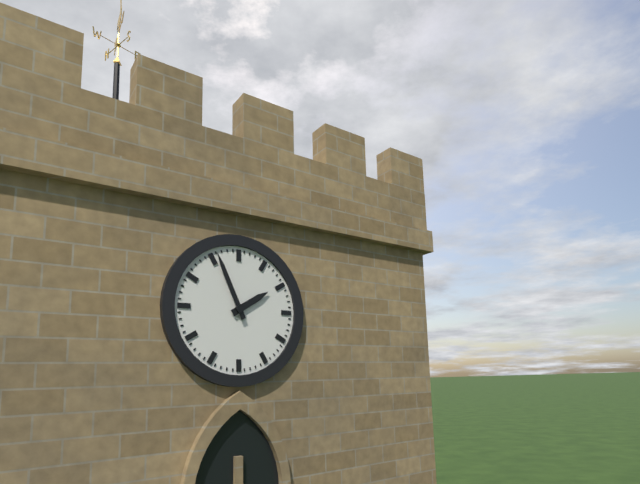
**1:56**
